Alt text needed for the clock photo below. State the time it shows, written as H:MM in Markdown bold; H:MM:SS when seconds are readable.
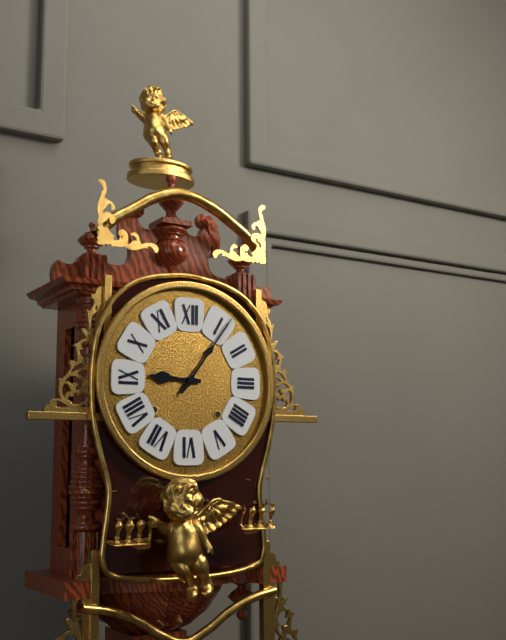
**9:06**
